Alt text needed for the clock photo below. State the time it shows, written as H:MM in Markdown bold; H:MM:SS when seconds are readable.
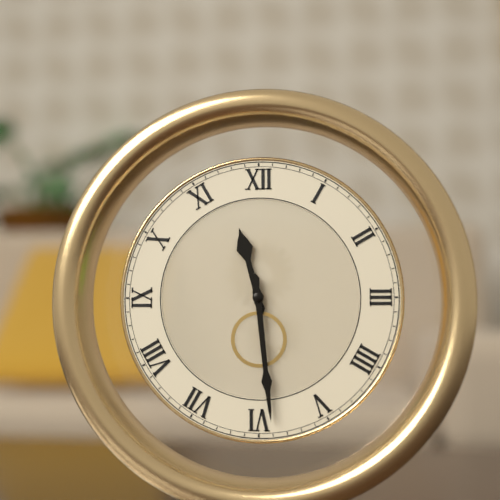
**11:29**
